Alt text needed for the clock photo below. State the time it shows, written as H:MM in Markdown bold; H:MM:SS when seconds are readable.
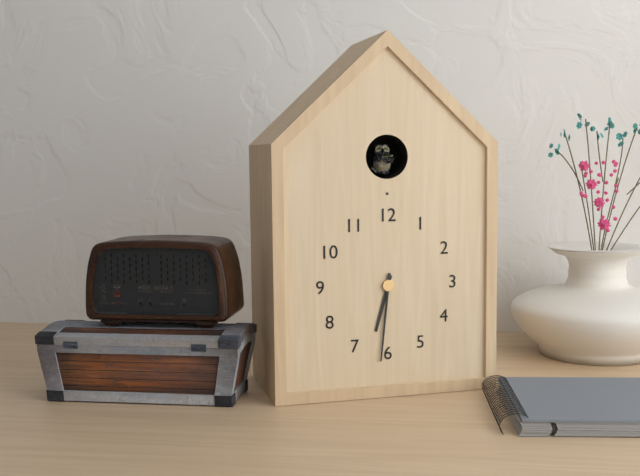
**6:31**
